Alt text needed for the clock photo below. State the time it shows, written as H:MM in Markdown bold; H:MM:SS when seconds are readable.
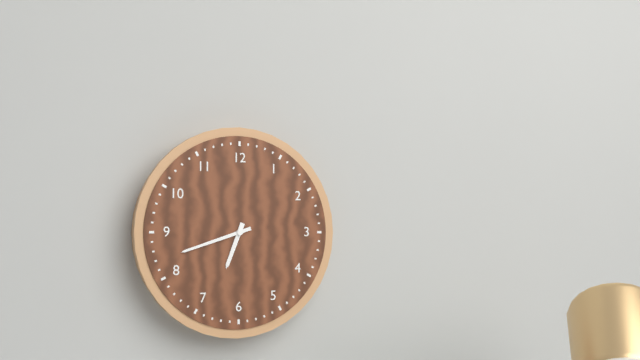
**6:42**
